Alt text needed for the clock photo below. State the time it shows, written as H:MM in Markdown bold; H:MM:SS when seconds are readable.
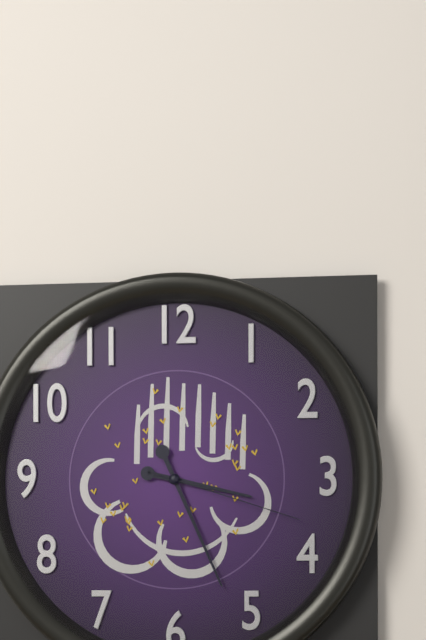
**3:26:18**
